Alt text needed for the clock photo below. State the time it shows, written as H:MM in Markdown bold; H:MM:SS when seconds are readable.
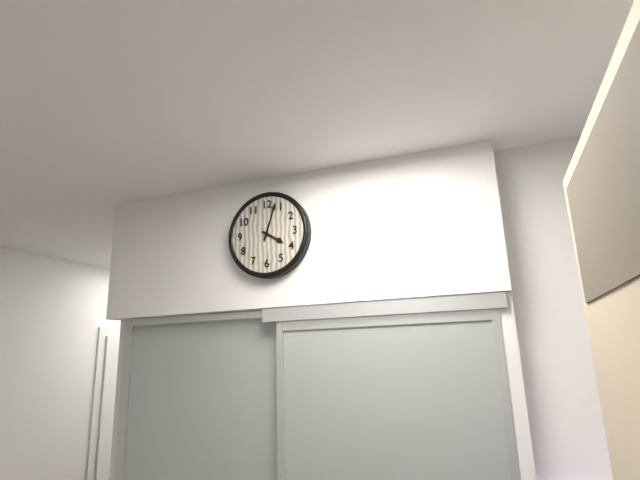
**4:03**
